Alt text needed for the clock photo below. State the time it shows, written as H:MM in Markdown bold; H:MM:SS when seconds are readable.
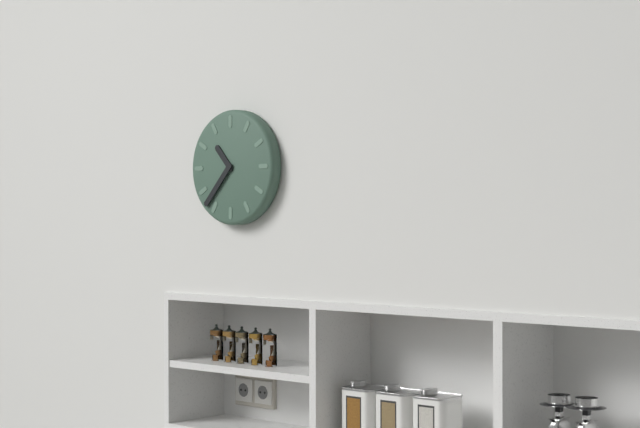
**10:37**
